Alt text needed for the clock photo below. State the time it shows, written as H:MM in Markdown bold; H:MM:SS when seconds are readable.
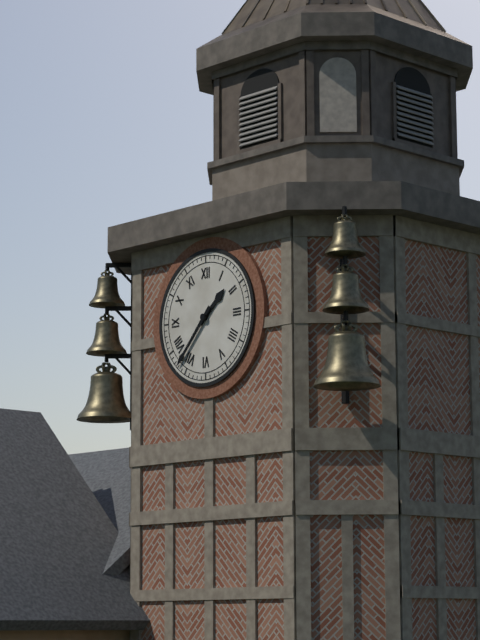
**1:37**
